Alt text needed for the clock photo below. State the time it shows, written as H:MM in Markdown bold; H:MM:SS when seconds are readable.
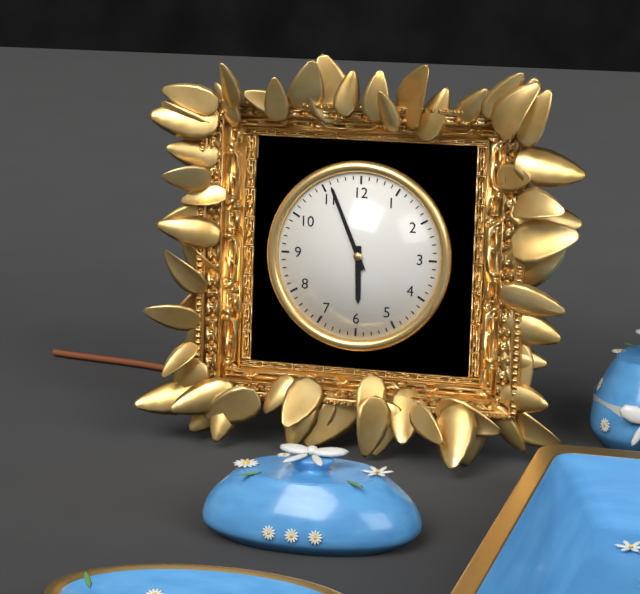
**5:56**
